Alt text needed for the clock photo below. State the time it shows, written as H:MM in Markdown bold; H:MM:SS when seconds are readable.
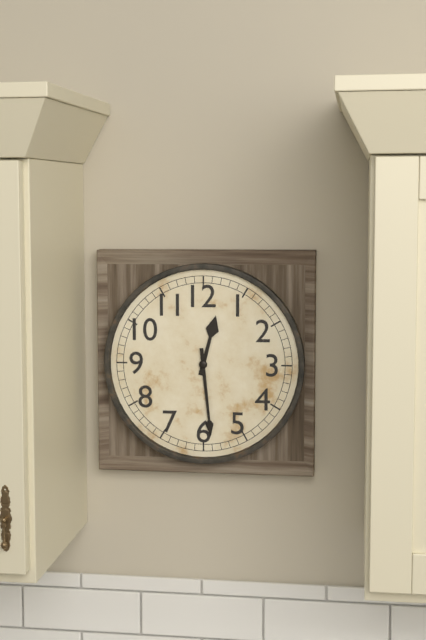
**12:29**
